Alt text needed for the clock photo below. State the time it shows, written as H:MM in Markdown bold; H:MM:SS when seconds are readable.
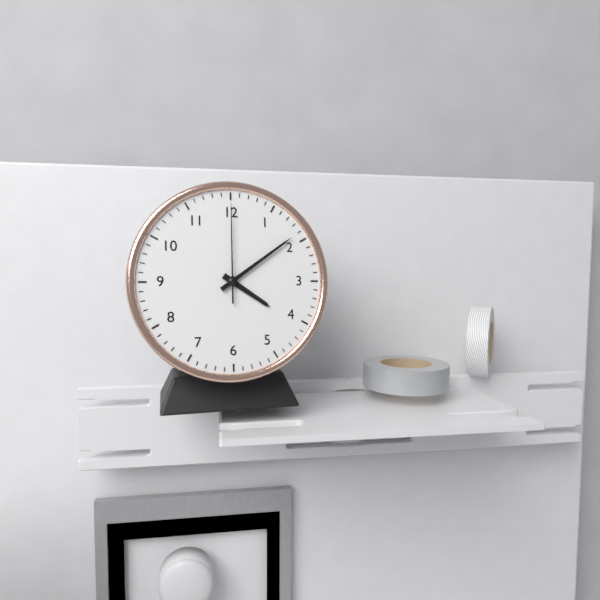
**4:09:00**
